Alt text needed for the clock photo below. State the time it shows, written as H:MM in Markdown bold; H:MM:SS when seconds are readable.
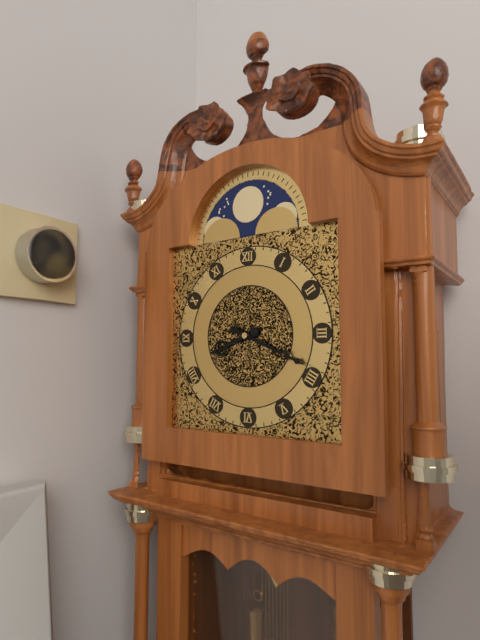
**8:19**
